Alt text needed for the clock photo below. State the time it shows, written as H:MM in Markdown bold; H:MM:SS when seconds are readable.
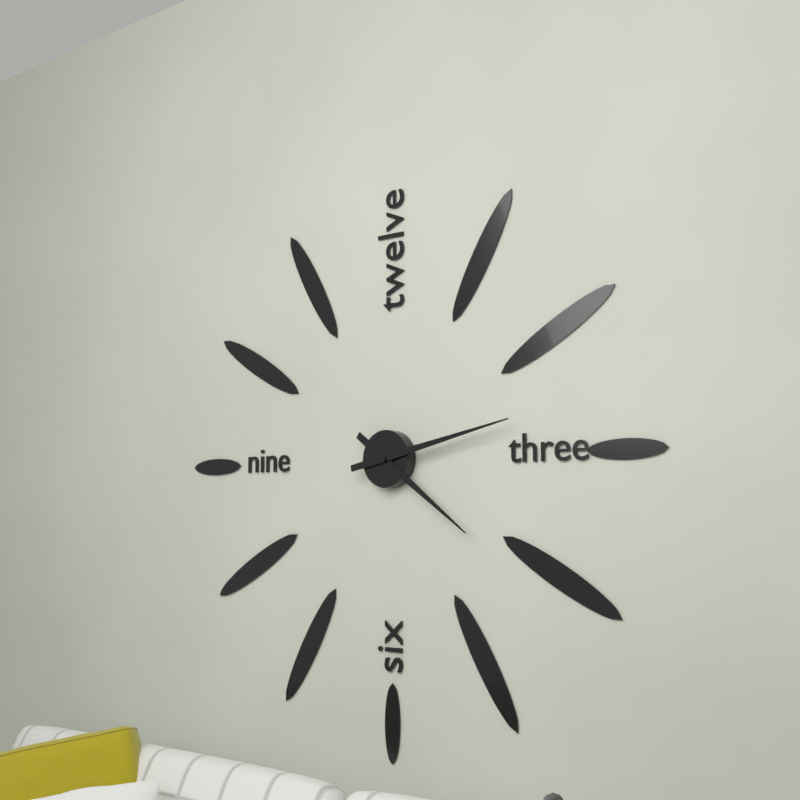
**4:13**
